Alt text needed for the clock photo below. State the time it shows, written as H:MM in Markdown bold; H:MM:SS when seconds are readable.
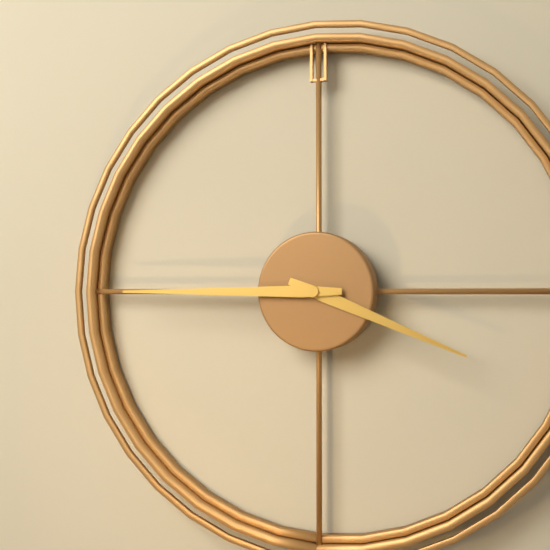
**3:45**
